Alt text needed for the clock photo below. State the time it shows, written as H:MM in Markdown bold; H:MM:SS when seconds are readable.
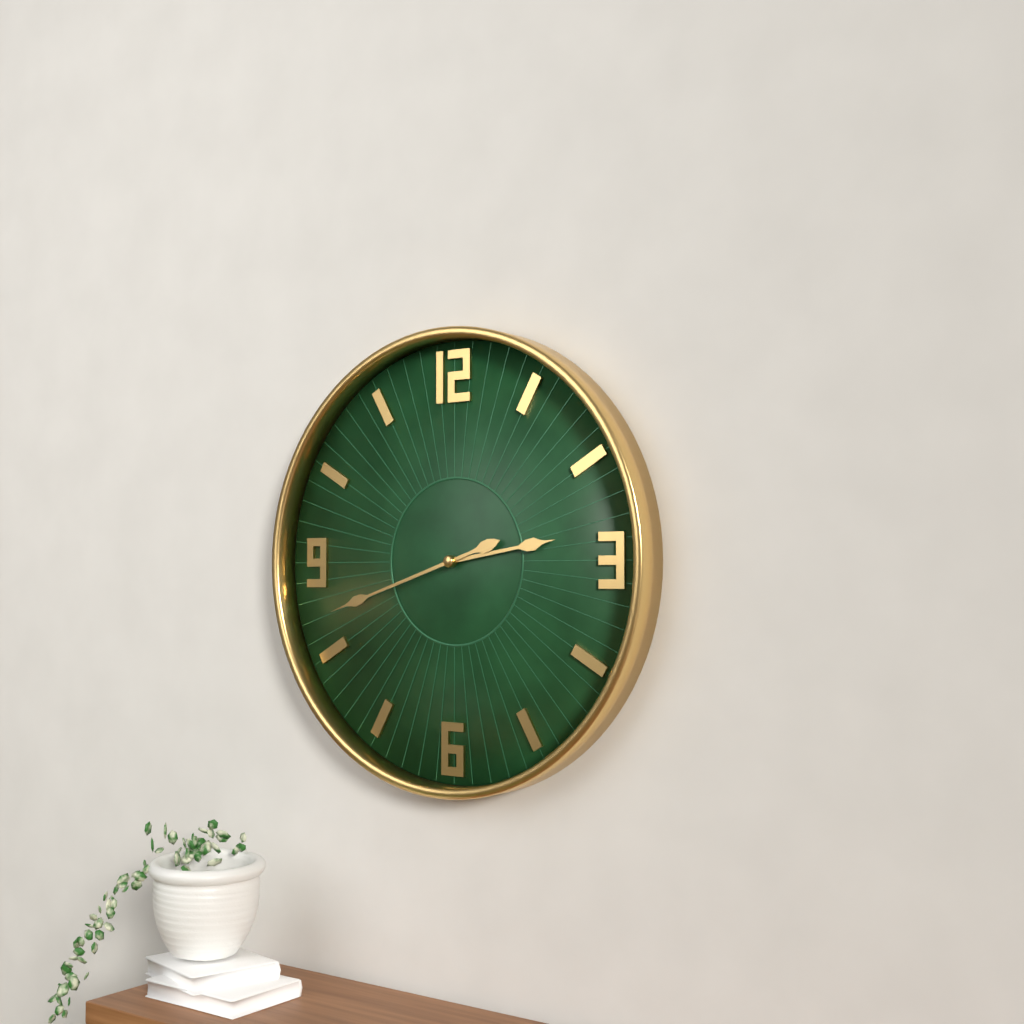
**2:42**
